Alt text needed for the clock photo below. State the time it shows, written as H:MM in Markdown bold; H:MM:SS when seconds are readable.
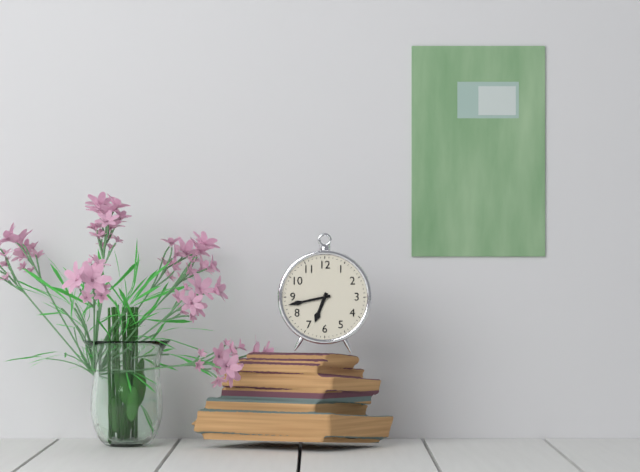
**6:43**
